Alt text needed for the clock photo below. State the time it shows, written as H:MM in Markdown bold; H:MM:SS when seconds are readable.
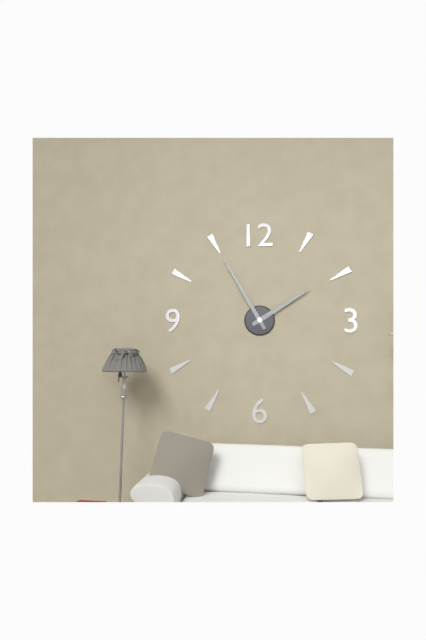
**1:55**
